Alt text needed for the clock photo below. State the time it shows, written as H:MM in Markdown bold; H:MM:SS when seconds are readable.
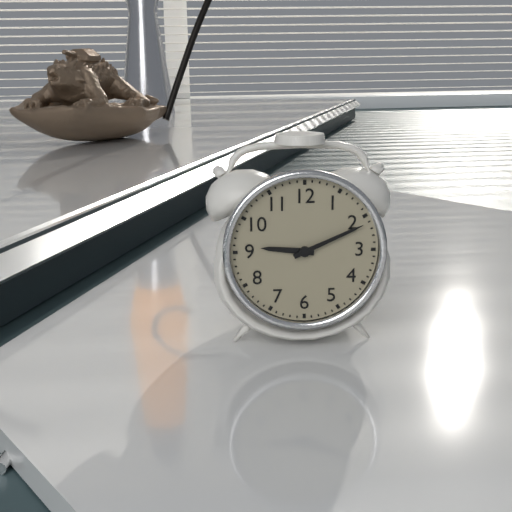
**9:11**
